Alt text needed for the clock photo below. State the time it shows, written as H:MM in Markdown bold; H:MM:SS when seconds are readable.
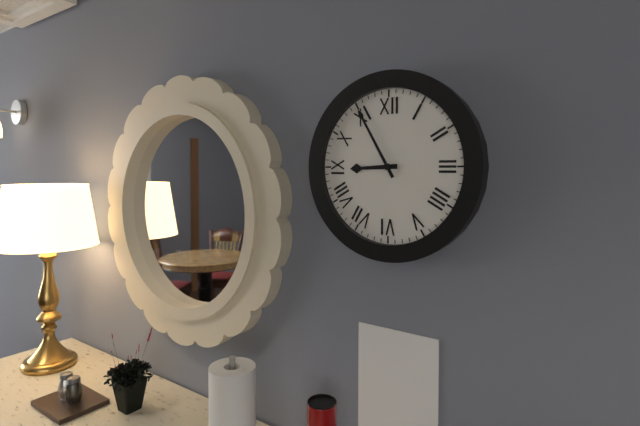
**8:55**
